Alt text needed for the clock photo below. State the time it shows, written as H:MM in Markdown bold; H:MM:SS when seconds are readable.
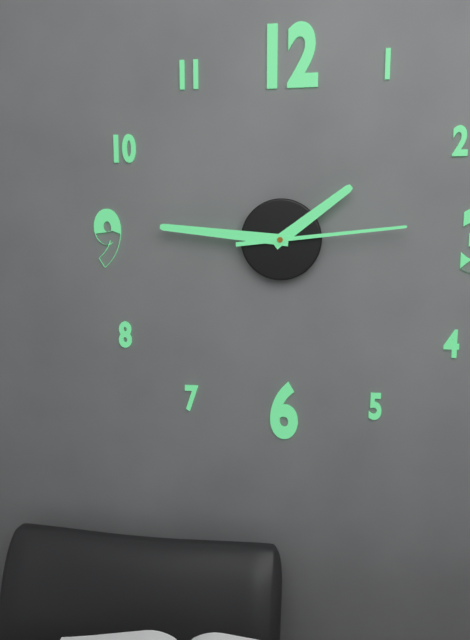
**1:46:14**
